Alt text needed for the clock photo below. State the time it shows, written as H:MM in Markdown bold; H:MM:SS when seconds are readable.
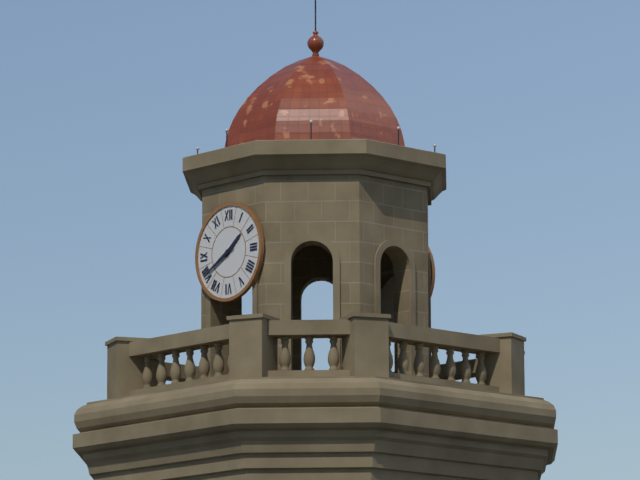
**1:40**
